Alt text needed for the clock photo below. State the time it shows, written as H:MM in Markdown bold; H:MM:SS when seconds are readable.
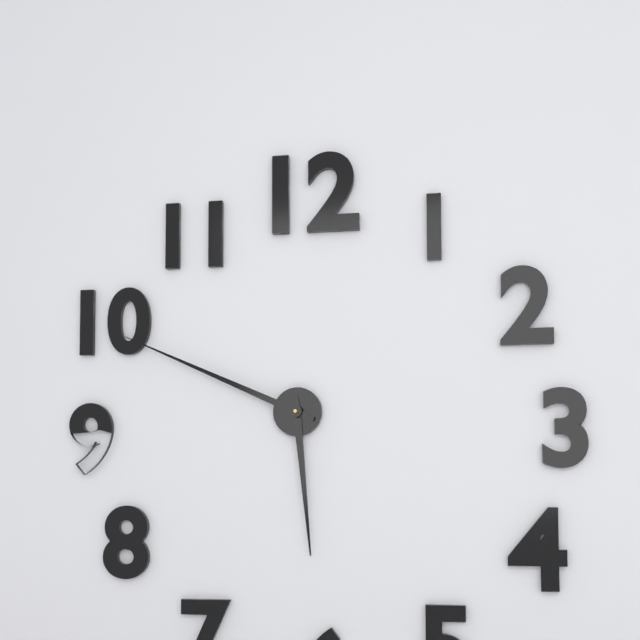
**5:49**
